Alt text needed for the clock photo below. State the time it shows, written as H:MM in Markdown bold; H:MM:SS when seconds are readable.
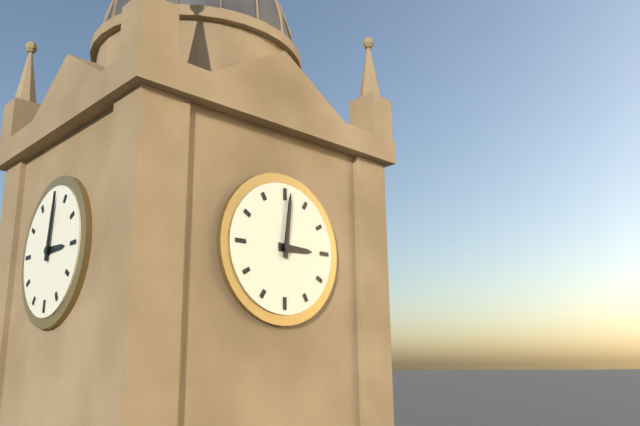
**3:01**
